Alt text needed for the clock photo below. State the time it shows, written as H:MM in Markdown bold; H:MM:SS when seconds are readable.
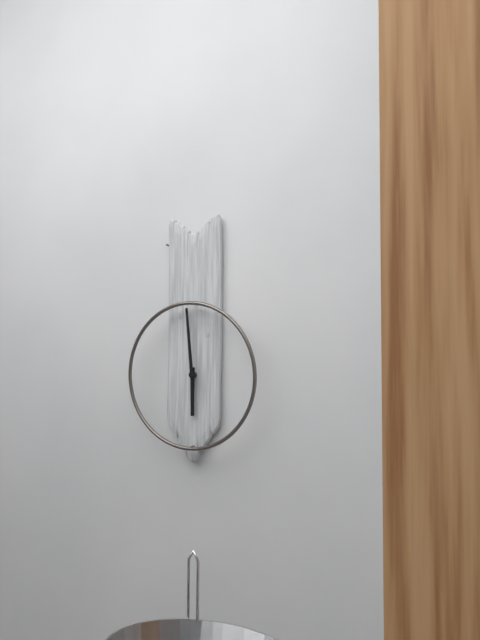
**5:59**
